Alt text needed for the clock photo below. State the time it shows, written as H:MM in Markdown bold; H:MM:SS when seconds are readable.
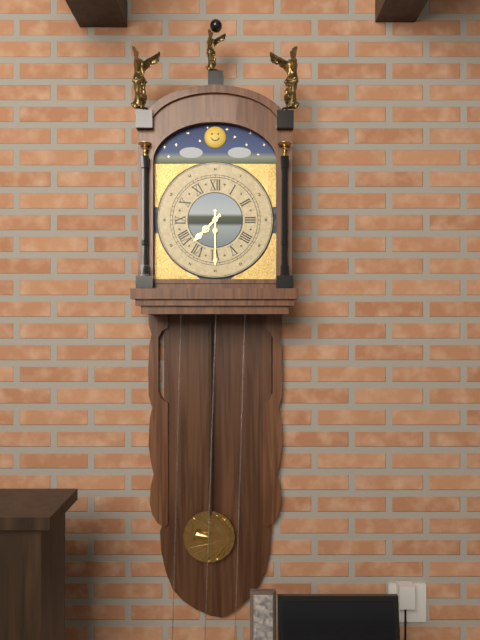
**7:30**
